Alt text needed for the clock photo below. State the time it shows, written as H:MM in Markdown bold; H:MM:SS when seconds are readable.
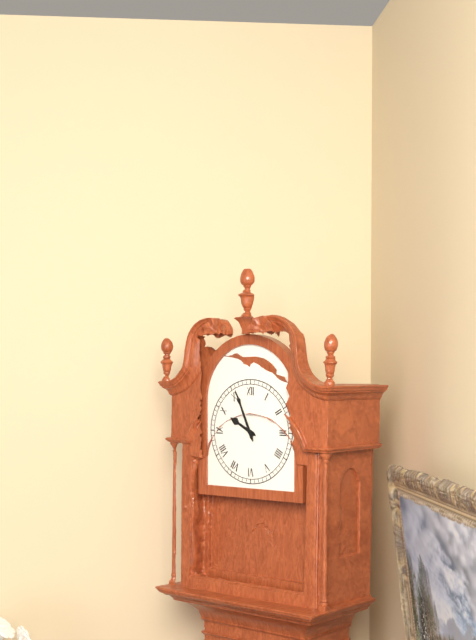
**9:56**
